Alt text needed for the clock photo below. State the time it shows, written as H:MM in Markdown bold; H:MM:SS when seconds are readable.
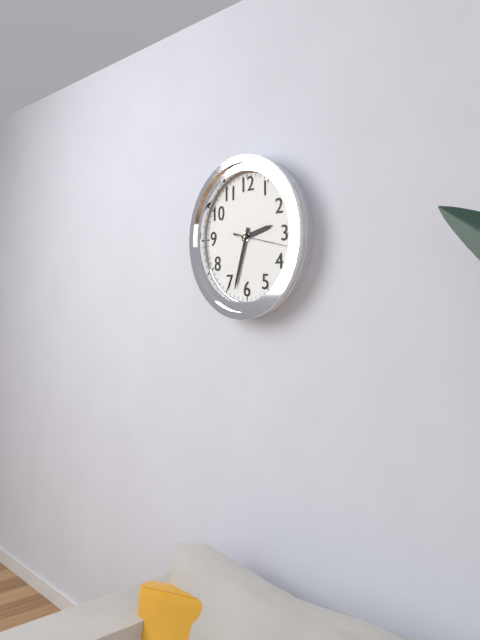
**2:33:17**
